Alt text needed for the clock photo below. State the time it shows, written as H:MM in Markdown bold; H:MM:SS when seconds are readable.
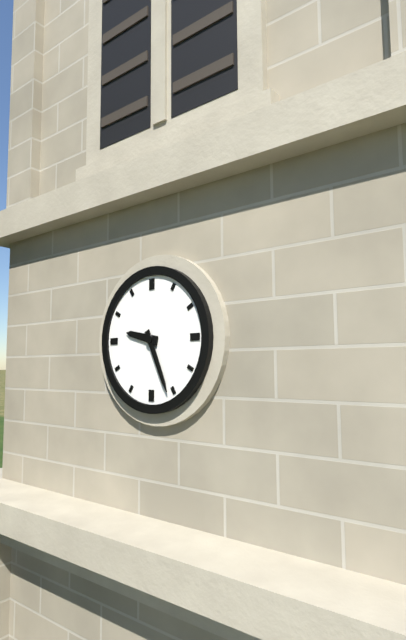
**9:26**
